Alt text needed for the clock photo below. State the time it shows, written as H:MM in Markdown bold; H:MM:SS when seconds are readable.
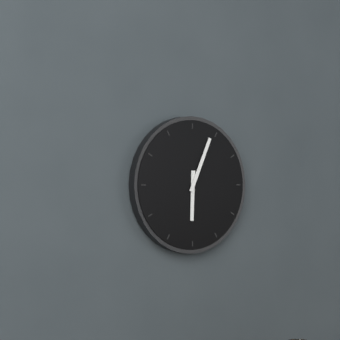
**6:04**
